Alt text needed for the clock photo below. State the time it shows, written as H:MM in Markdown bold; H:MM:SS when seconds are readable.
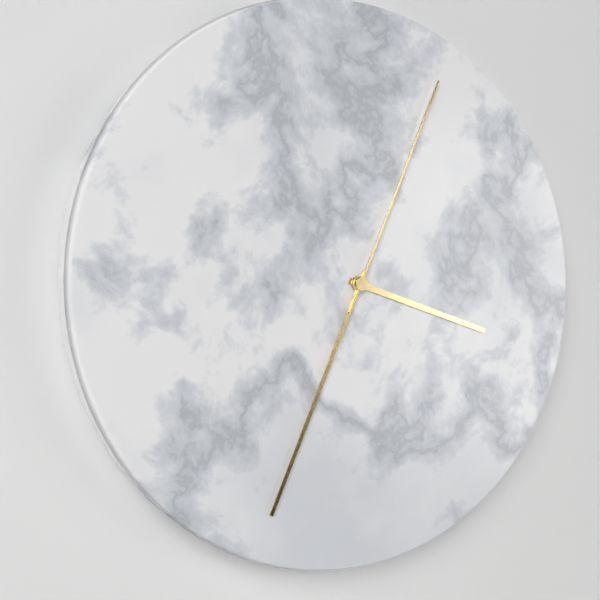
**3:34:04**
